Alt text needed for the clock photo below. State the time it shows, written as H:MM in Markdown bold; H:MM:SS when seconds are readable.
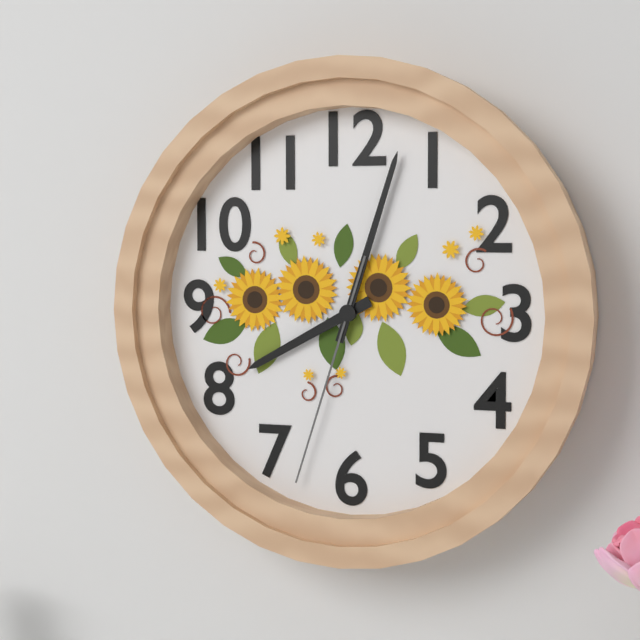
**8:03:33**
